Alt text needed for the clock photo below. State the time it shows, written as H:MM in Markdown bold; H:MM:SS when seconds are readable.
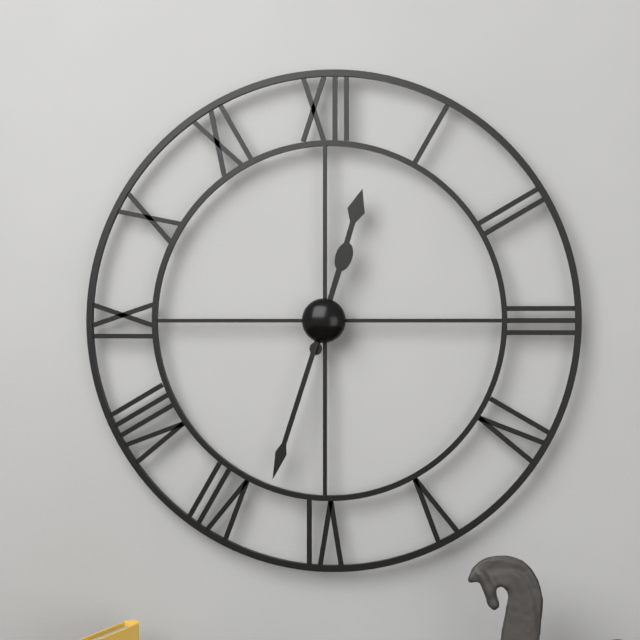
**12:33**
